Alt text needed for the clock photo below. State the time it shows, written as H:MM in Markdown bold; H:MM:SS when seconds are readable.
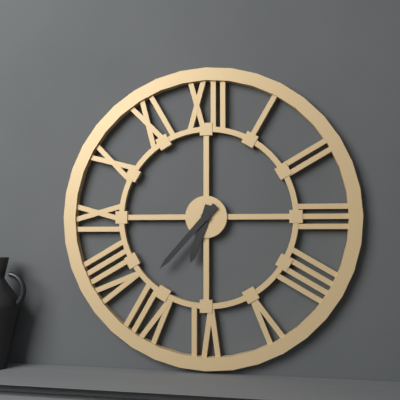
**6:37**
